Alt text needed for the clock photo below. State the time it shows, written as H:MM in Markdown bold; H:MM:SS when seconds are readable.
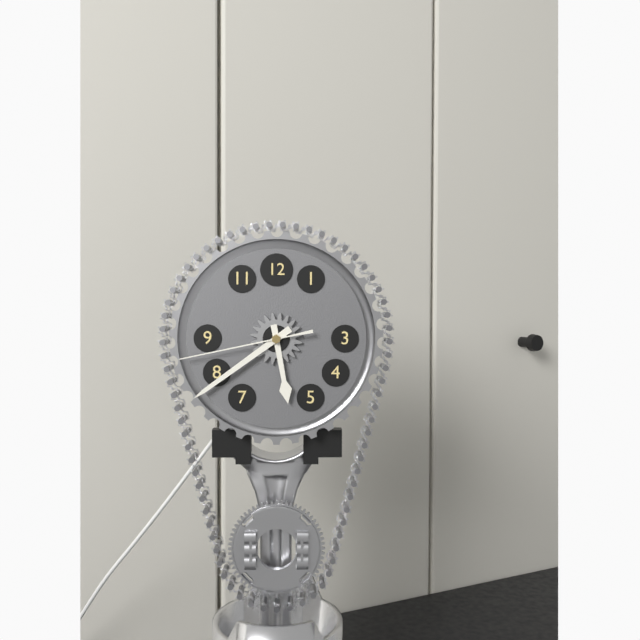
**5:39:43**
